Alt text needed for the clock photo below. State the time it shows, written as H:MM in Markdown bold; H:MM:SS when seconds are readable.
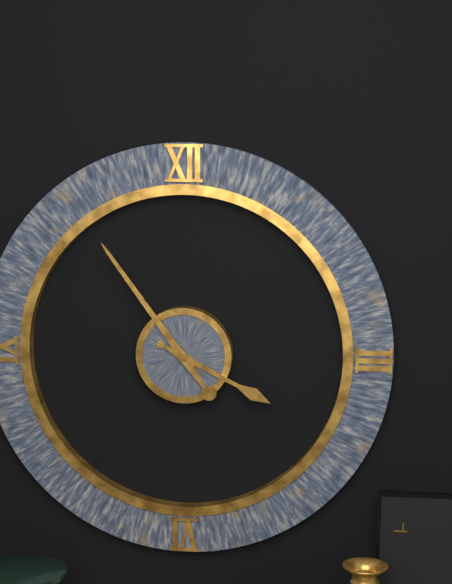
**3:54**
